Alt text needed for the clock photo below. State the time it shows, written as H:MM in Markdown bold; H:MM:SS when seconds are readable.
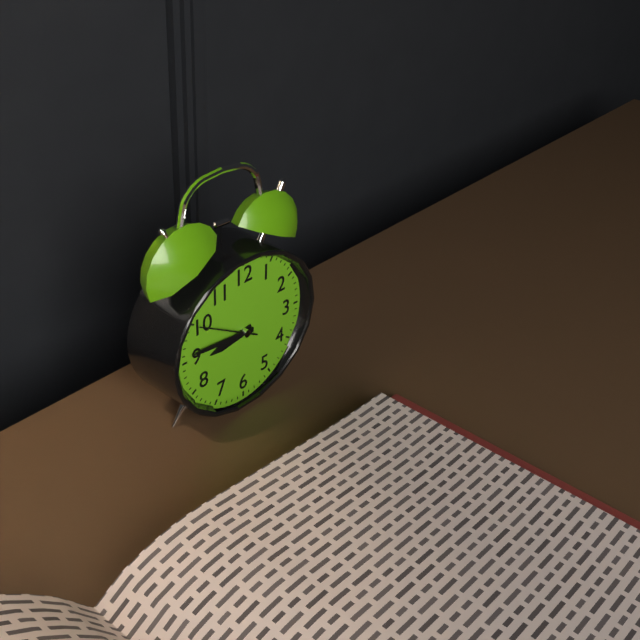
**8:46:50**
